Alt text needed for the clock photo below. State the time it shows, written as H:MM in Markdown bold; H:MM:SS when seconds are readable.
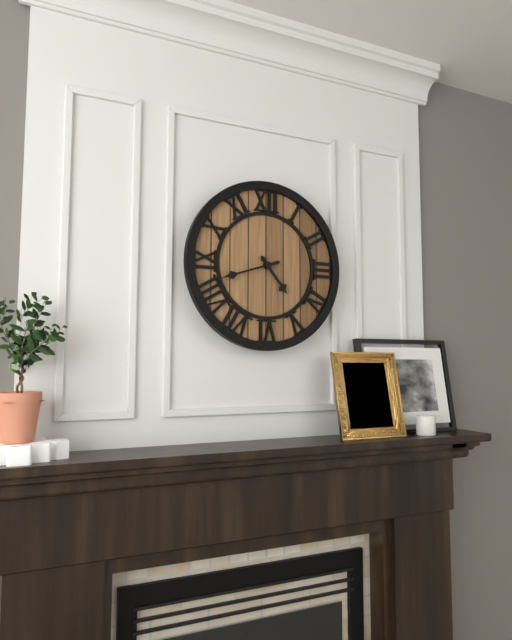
**4:42**
